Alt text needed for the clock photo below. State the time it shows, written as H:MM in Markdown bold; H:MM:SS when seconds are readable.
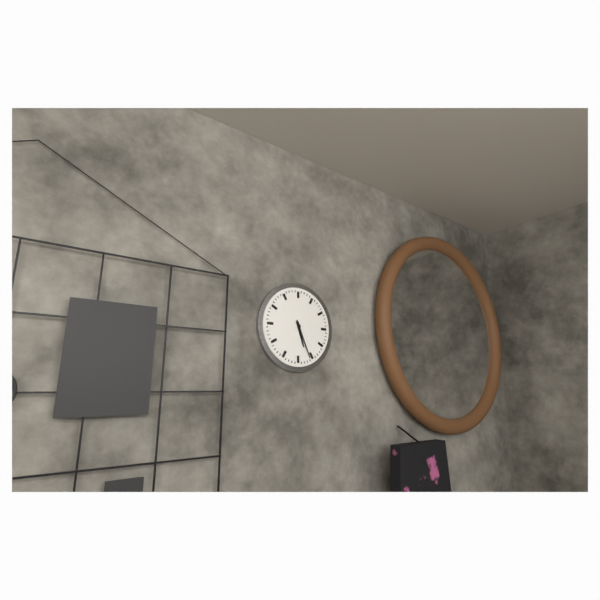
**5:26**
